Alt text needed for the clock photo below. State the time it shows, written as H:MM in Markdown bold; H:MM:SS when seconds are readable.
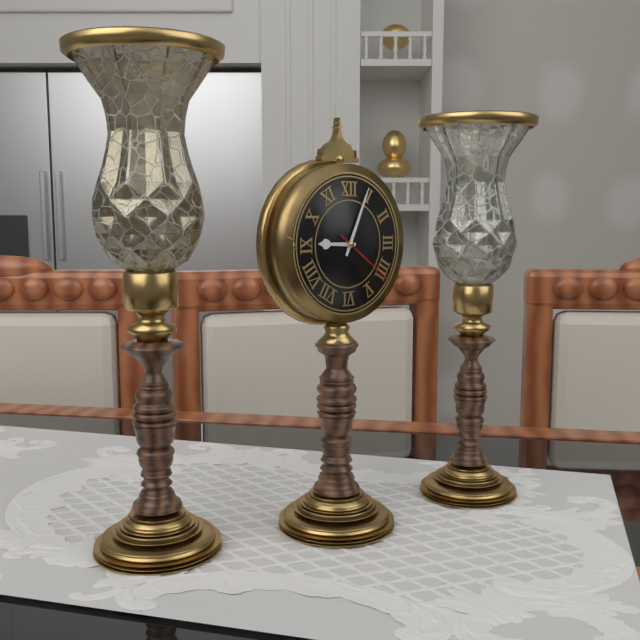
**9:04:21**
